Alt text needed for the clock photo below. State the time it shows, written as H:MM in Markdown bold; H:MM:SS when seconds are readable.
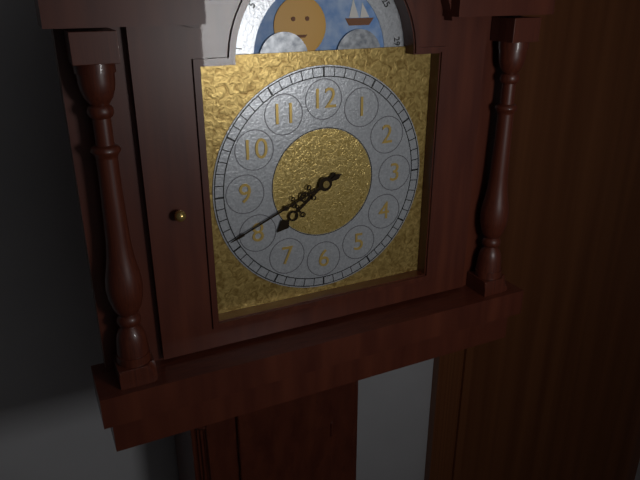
**7:41**
